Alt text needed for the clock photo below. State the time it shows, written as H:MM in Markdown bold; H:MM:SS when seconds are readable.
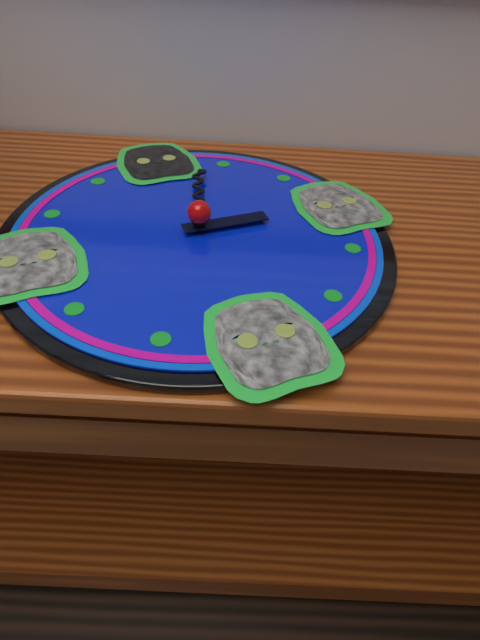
**3:03**
